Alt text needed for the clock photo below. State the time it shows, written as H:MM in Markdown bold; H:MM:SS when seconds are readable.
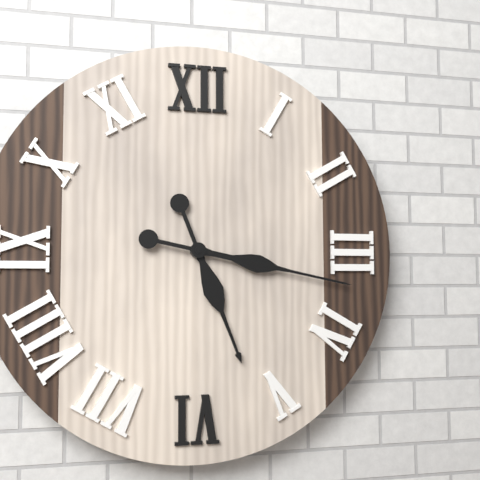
**5:17**
